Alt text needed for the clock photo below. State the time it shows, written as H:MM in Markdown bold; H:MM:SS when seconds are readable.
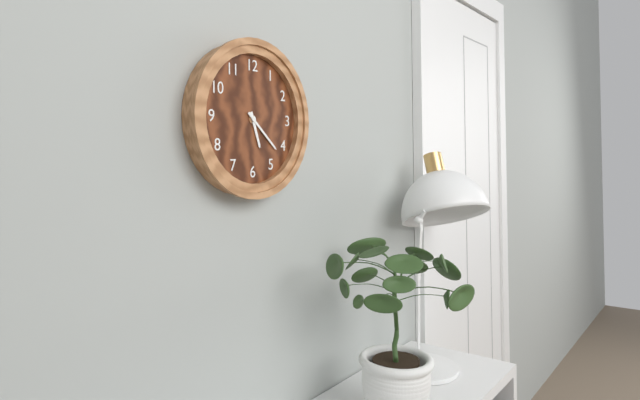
**5:22**
